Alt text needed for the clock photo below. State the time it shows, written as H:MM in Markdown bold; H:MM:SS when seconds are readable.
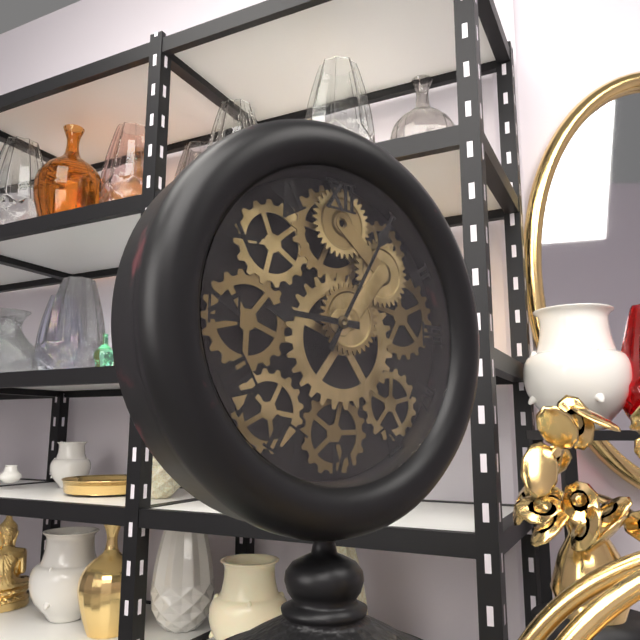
**9:05**
